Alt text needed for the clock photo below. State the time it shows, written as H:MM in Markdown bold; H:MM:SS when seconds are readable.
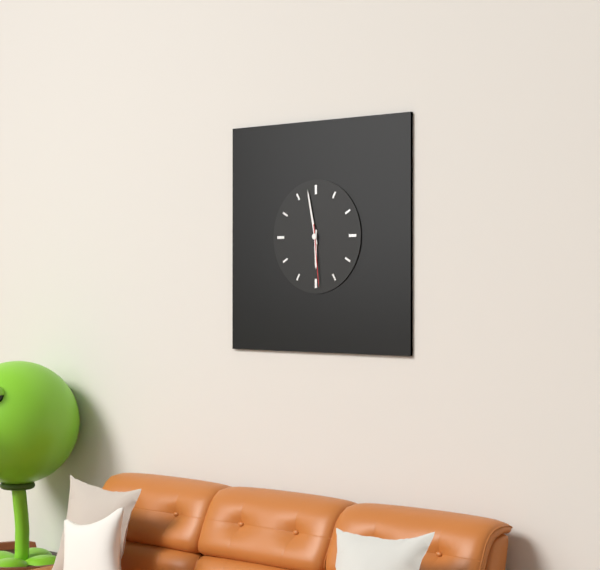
**5:58:29**
